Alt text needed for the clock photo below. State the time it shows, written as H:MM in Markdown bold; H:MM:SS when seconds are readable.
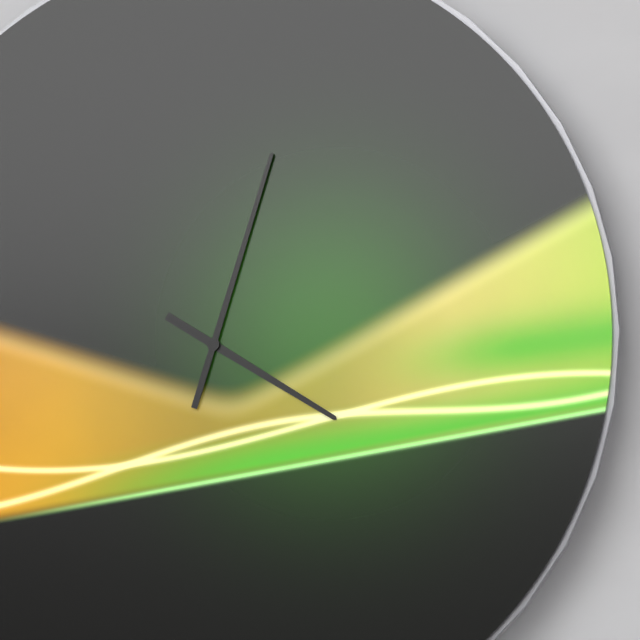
**4:03**
